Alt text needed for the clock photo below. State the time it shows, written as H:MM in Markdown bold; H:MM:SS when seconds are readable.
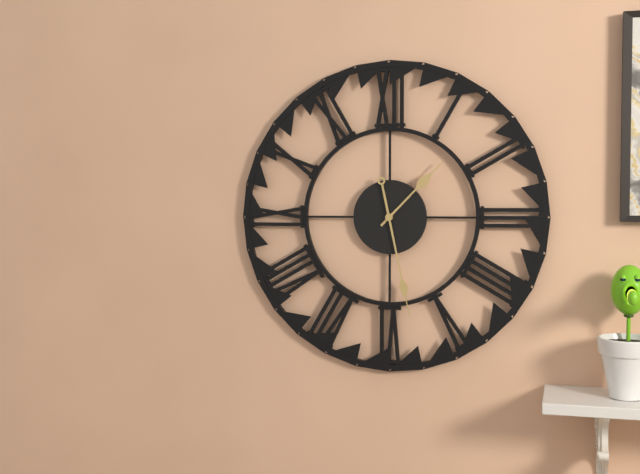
**1:28**
